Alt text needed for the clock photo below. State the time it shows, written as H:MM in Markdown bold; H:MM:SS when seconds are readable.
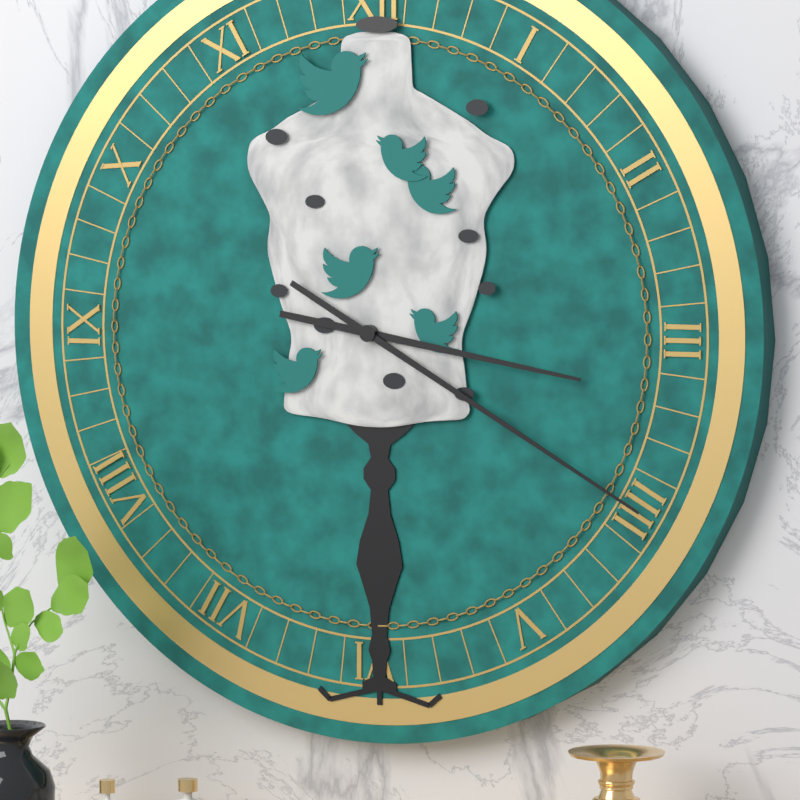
**3:20**
